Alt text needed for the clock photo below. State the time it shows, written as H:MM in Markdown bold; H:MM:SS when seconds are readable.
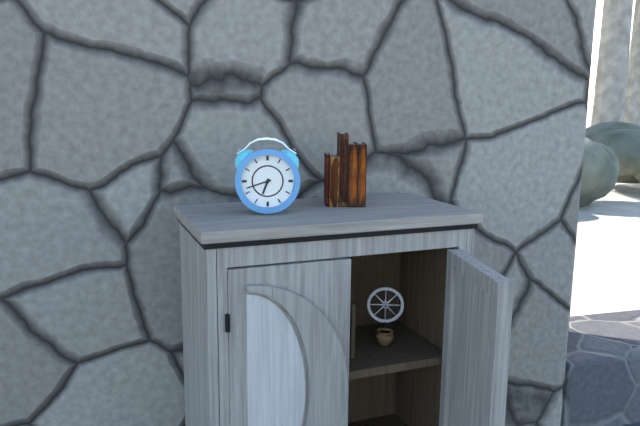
**6:42**
